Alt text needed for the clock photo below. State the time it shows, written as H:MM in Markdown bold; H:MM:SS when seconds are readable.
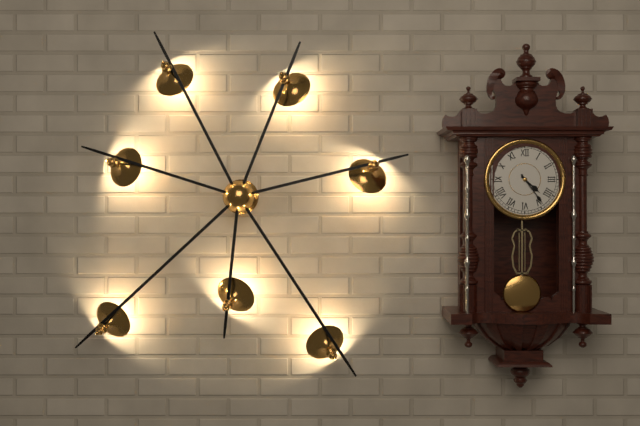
**4:24**
